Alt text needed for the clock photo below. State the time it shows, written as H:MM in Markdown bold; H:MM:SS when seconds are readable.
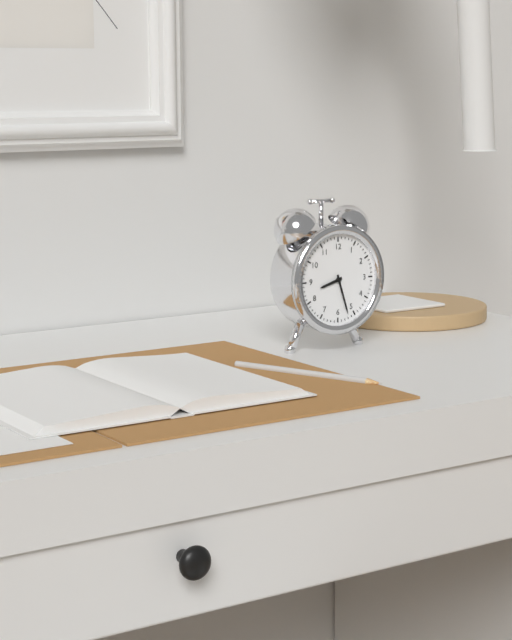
**8:27**
